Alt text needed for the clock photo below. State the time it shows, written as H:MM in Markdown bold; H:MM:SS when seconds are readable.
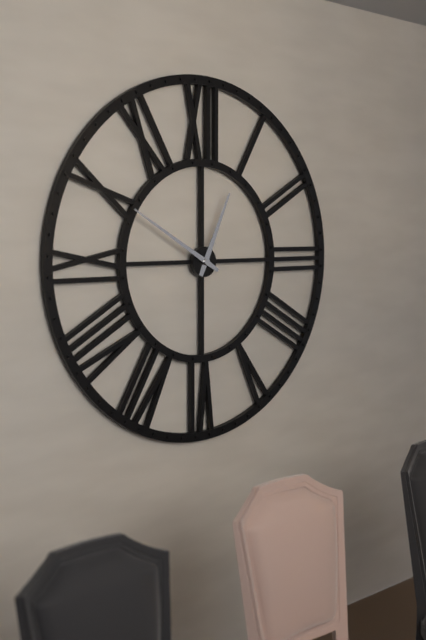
**12:50**
